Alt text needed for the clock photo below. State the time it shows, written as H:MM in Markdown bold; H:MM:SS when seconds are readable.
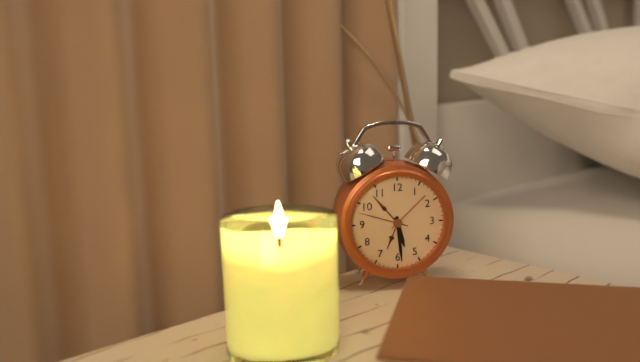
**5:29:48**
